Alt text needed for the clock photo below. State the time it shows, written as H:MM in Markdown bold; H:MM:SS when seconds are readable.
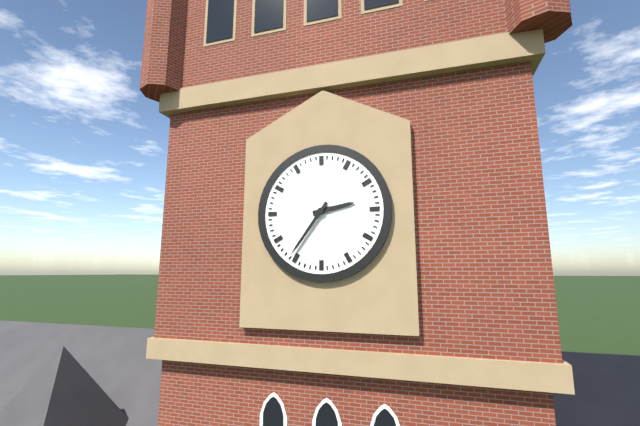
**2:36**
